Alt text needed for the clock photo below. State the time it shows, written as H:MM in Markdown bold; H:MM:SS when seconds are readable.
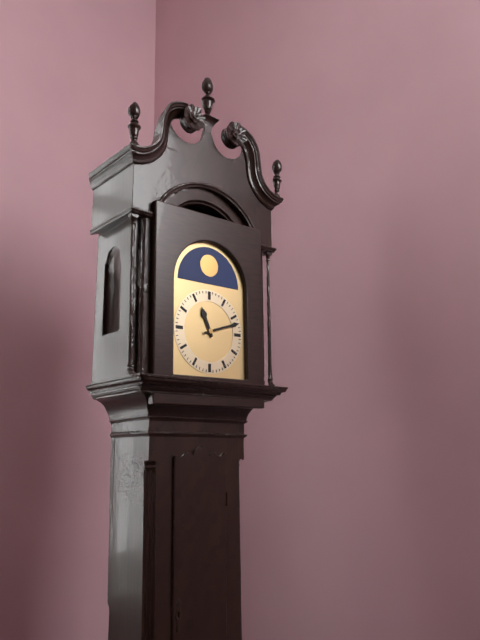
**11:12**
